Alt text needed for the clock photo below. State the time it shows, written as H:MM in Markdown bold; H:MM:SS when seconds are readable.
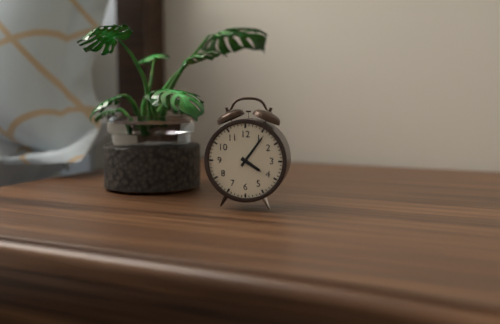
**4:06**
